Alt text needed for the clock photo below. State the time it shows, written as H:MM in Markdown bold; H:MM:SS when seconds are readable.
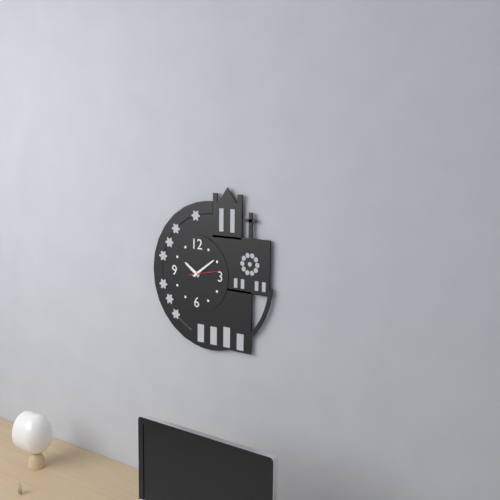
**10:09**
